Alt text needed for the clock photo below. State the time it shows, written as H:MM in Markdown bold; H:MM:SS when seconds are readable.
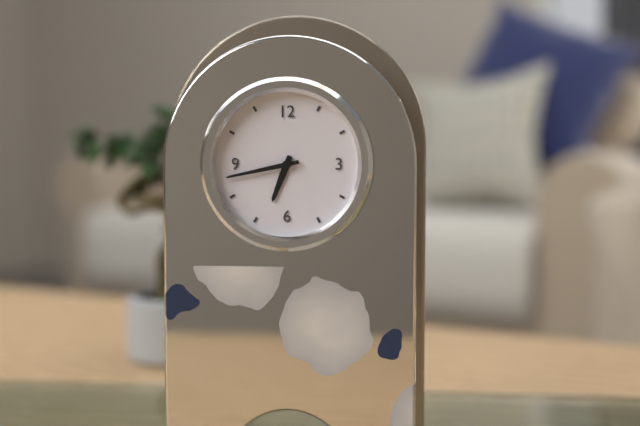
**6:43**
